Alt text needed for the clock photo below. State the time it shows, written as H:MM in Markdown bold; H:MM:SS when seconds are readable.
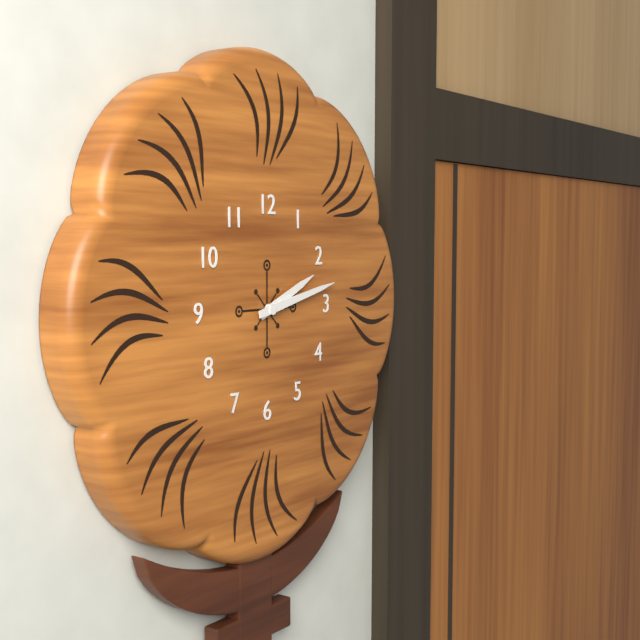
**2:13**
